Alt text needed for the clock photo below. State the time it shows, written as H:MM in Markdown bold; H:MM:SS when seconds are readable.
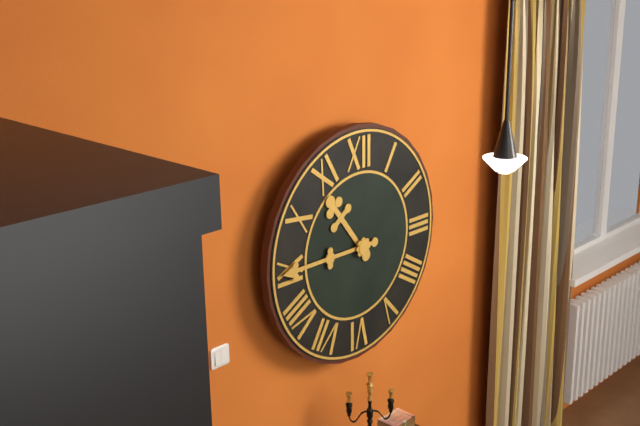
**10:45**
